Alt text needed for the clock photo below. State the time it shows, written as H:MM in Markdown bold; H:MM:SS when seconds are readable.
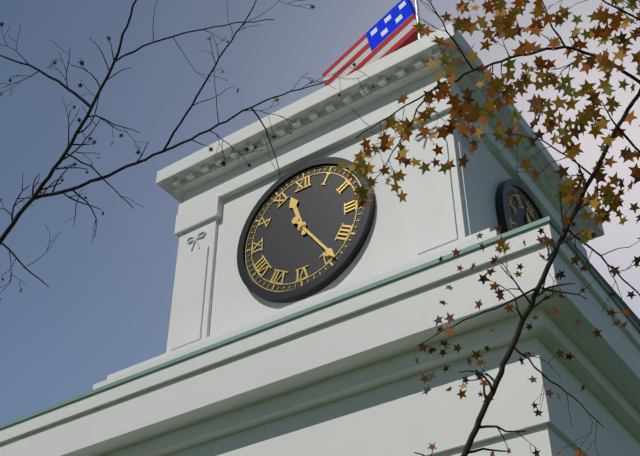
**11:24**
